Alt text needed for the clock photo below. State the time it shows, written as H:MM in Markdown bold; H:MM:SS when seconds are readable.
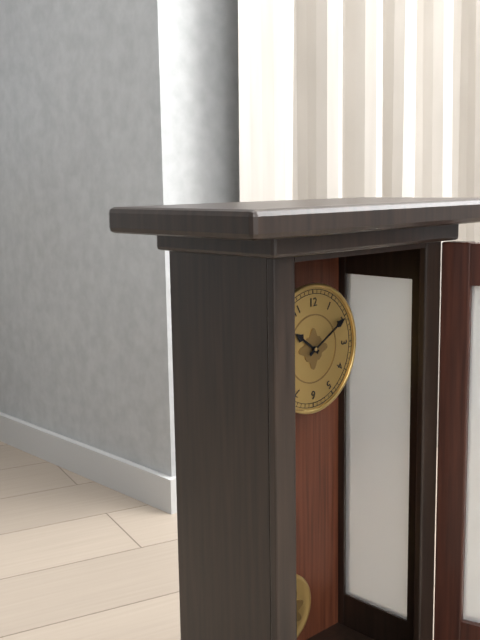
**10:10**
